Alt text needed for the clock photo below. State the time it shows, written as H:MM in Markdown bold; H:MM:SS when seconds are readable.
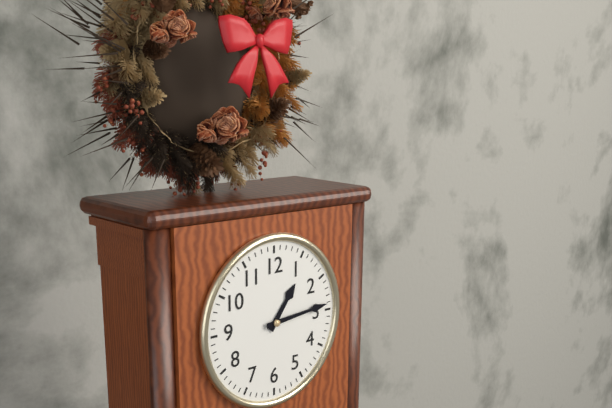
**1:14**
